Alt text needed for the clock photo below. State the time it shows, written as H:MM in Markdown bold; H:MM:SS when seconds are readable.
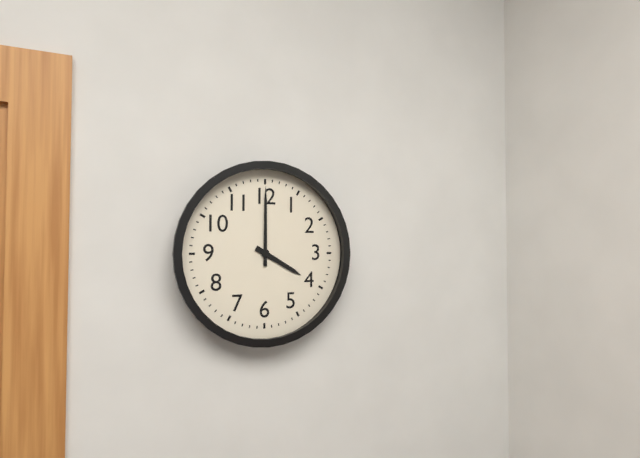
**4:00**
